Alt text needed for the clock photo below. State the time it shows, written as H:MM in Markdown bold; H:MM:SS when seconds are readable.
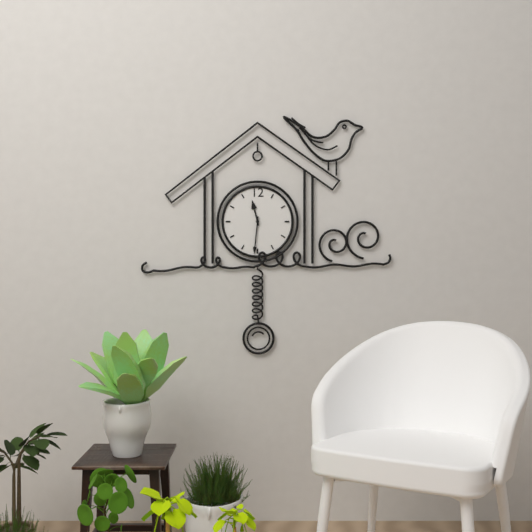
**11:31**
